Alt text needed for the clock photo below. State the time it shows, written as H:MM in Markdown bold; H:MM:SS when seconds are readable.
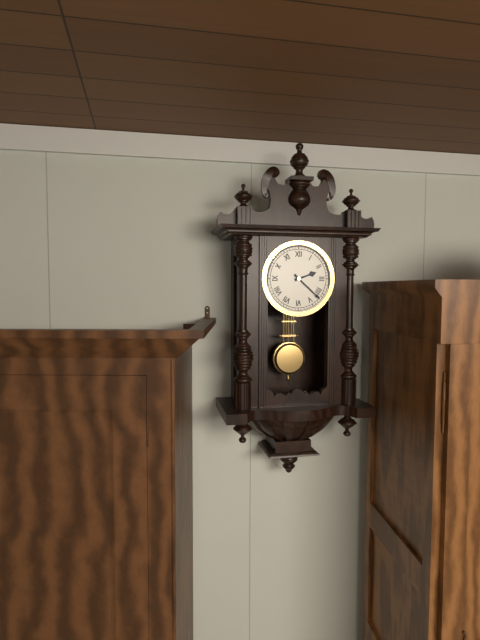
**2:22**
